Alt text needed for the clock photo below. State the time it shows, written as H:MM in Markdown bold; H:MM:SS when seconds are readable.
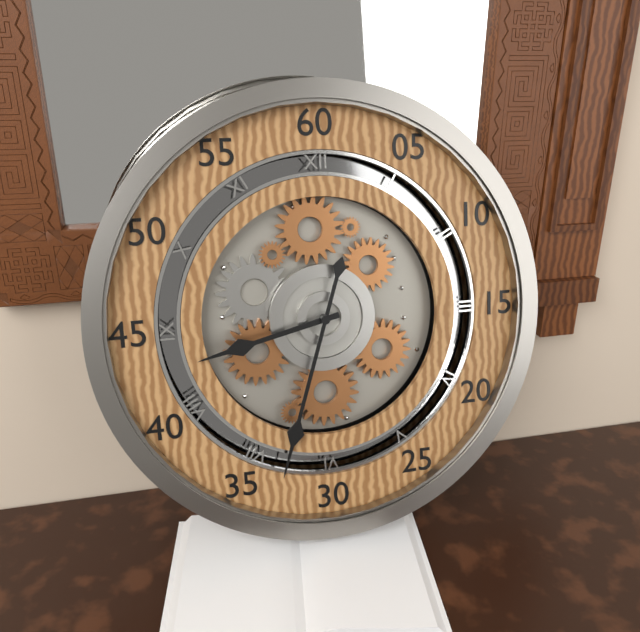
**8:33**
